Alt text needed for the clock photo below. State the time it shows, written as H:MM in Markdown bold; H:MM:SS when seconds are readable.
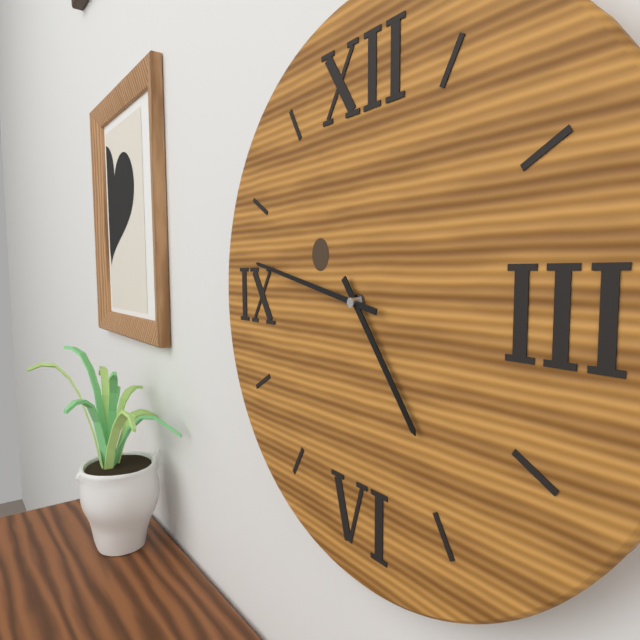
**4:47**
